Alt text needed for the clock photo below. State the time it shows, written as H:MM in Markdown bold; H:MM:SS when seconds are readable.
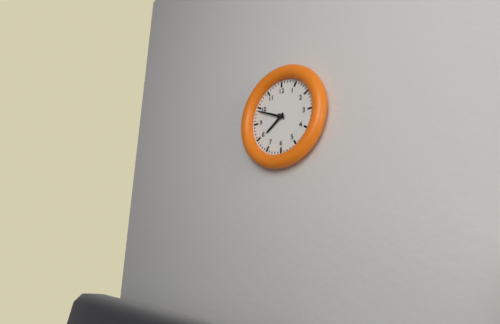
**7:49**
